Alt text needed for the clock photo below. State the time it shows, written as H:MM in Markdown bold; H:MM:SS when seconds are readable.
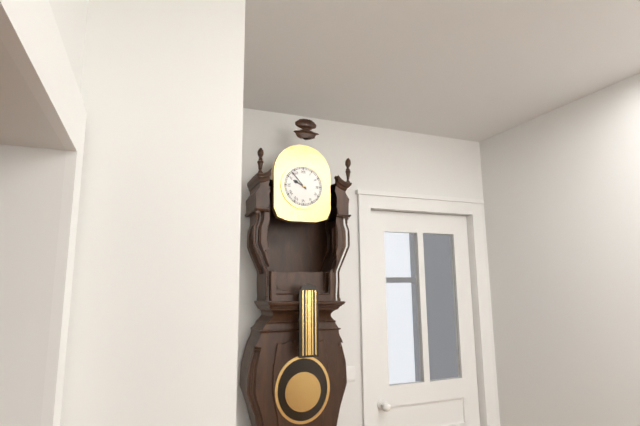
**9:53**
